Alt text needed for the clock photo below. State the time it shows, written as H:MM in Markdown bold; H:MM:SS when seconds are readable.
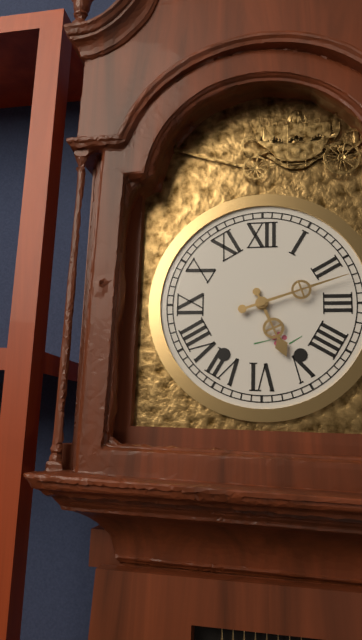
**5:12**
